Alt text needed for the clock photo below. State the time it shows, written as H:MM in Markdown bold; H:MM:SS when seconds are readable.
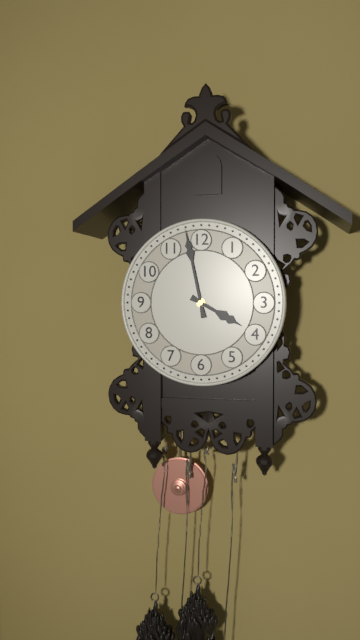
**3:58**
